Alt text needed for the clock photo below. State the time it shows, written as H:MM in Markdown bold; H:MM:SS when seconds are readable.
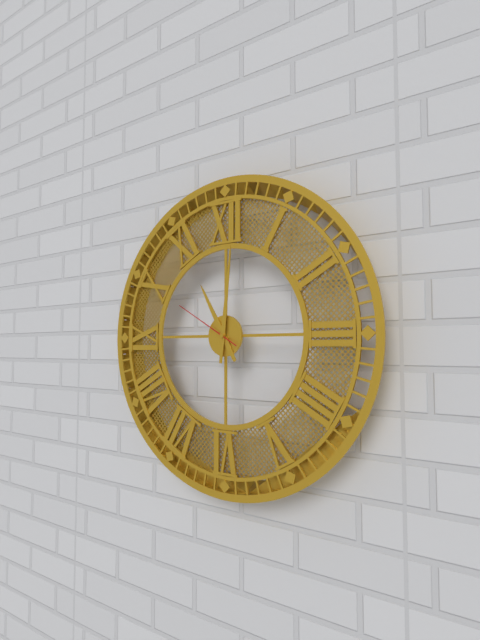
**11:01:50**
